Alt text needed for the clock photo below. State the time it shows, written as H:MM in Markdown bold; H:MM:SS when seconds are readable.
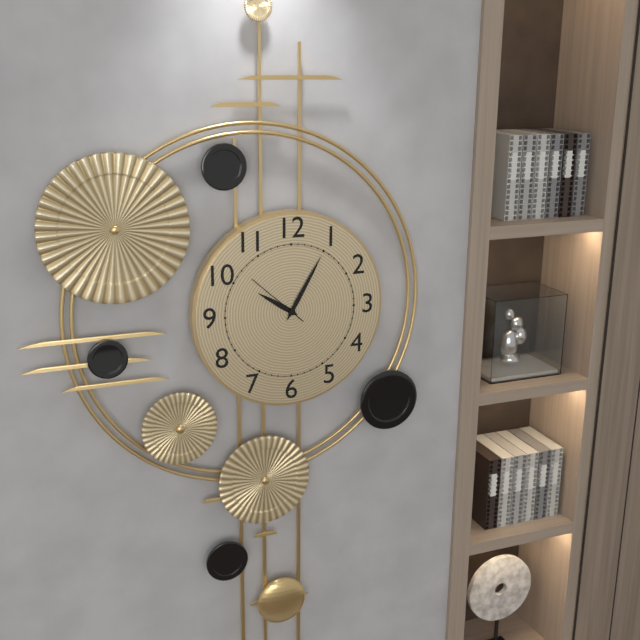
**10:05:52**
